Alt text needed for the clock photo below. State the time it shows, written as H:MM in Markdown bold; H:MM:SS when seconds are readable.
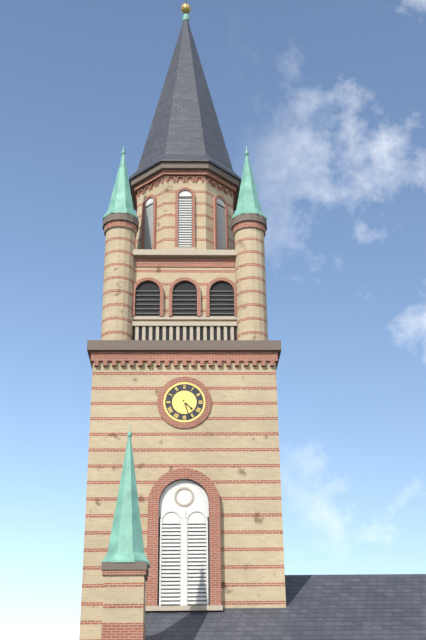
**4:27**
